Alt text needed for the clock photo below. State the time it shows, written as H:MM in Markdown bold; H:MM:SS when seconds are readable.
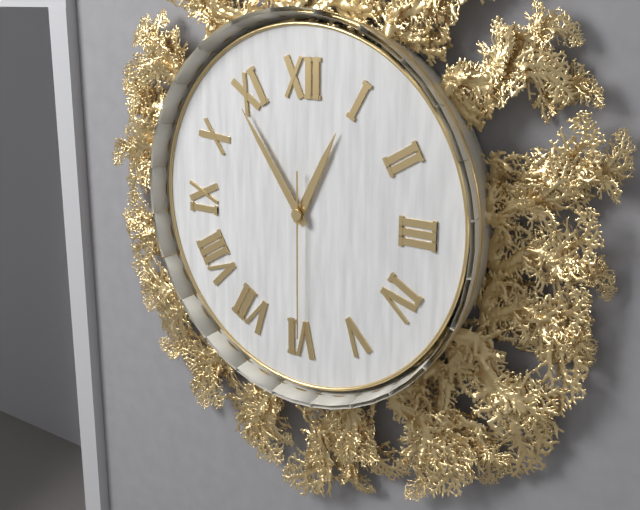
**12:54:30**
